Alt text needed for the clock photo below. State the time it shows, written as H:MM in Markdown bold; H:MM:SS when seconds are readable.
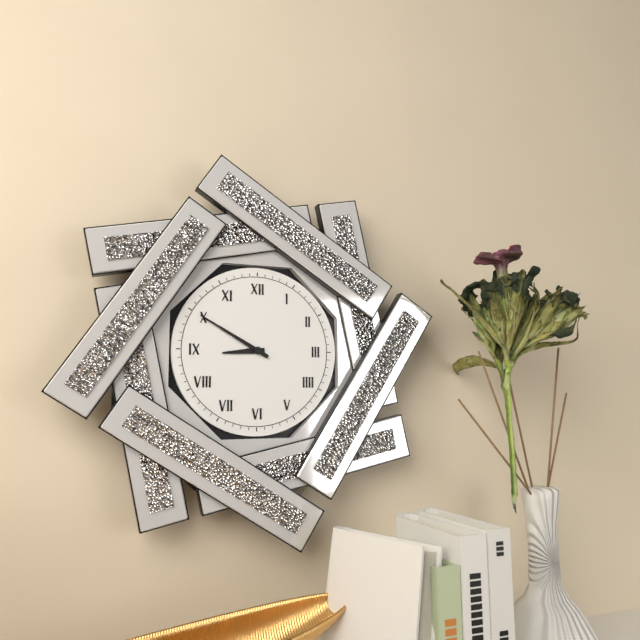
**8:50**
